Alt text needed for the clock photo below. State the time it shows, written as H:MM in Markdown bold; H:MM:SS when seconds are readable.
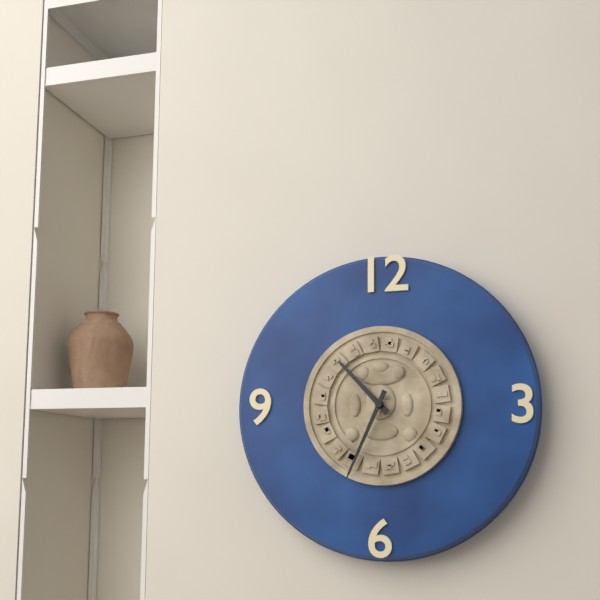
**10:34**
